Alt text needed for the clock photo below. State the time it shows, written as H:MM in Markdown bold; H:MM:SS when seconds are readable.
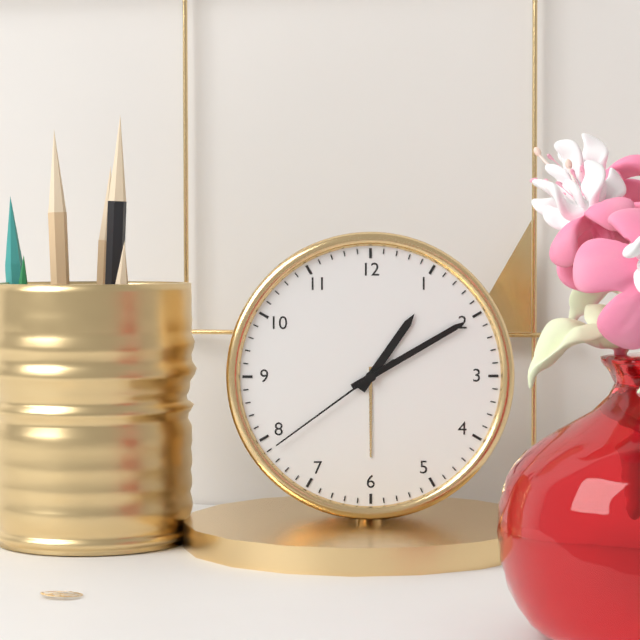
**1:10:39**
